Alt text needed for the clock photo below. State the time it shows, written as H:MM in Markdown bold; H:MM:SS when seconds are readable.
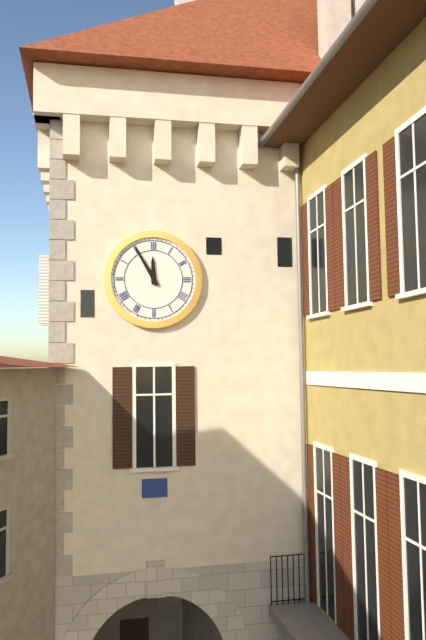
**11:55**
